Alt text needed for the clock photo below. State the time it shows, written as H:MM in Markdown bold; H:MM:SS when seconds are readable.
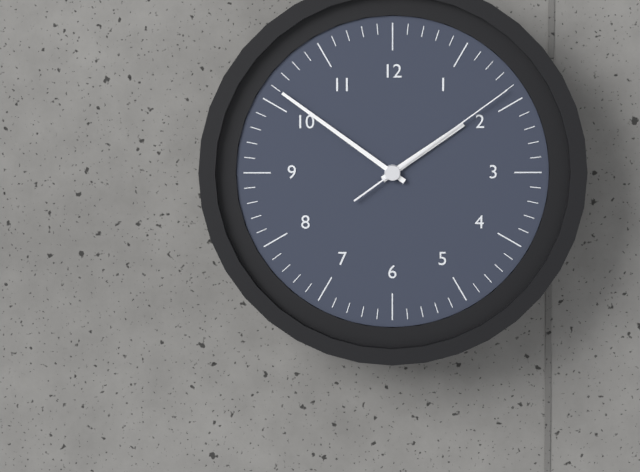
**1:51:09**
